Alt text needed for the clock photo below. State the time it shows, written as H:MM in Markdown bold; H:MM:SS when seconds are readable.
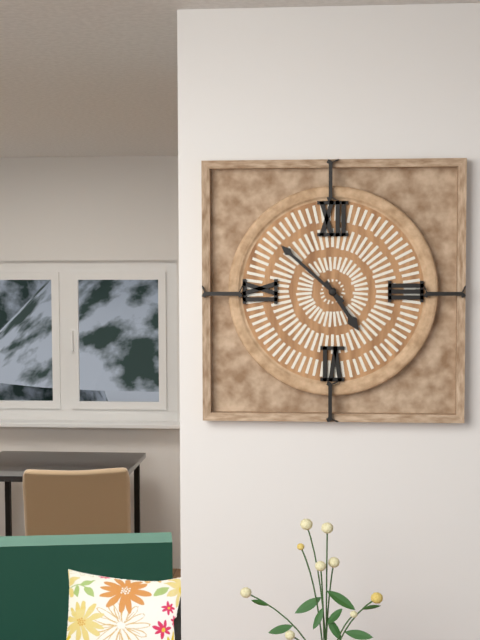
**4:52**
